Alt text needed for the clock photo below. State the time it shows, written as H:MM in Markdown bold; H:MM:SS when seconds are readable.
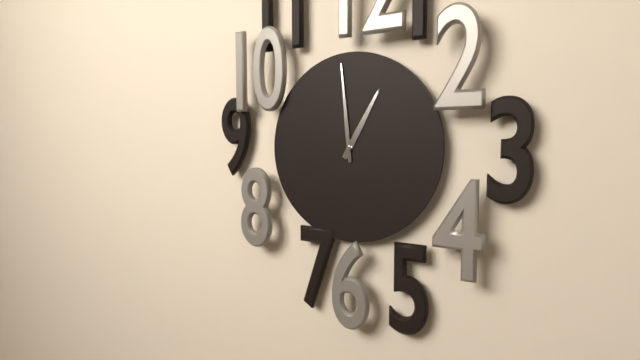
**12:59**
